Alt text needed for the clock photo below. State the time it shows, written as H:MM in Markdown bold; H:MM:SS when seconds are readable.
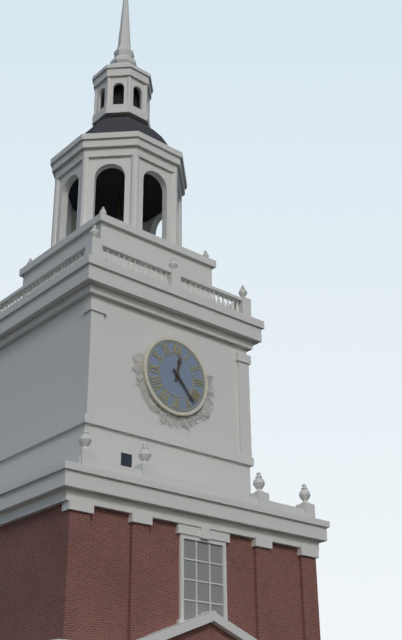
**12:23**
